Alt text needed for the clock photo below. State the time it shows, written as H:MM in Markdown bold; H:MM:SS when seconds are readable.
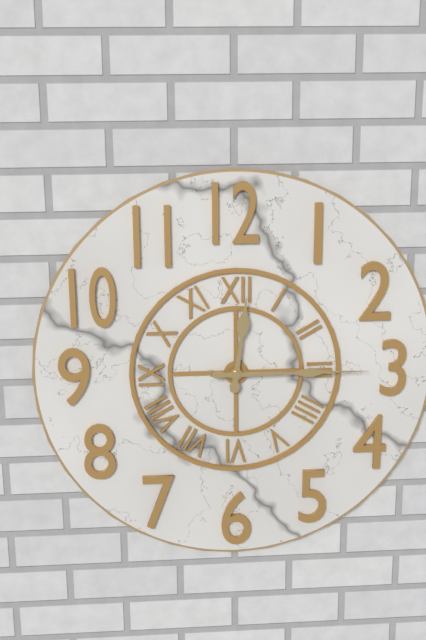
**12:15**
